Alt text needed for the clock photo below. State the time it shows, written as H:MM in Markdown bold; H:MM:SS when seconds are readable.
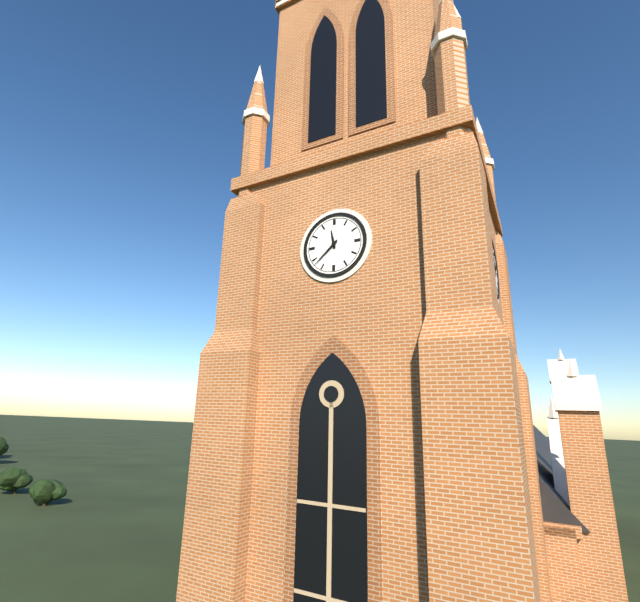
**11:38**
